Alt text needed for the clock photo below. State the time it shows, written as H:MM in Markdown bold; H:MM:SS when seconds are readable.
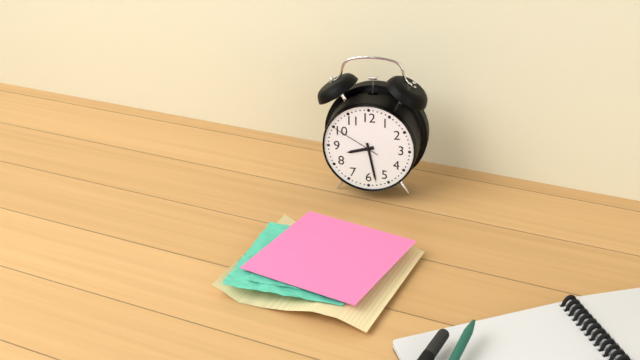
**8:28:50**
